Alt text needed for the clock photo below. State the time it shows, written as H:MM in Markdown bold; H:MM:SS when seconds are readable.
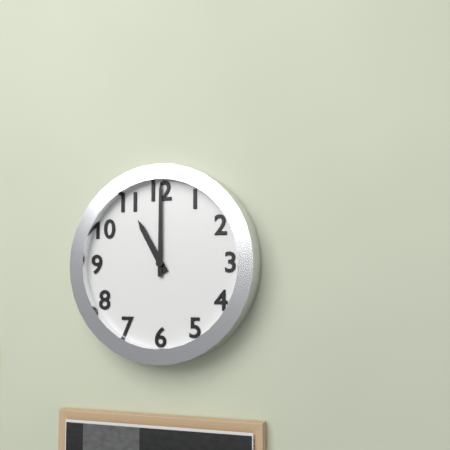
**11:00**
